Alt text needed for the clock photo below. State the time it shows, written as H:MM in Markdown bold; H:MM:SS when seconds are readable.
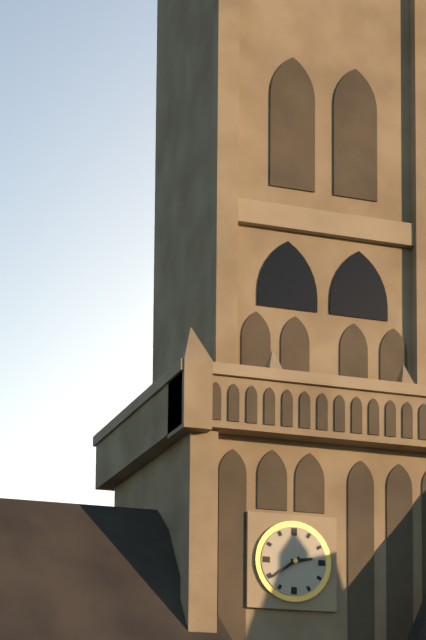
**2:39**
